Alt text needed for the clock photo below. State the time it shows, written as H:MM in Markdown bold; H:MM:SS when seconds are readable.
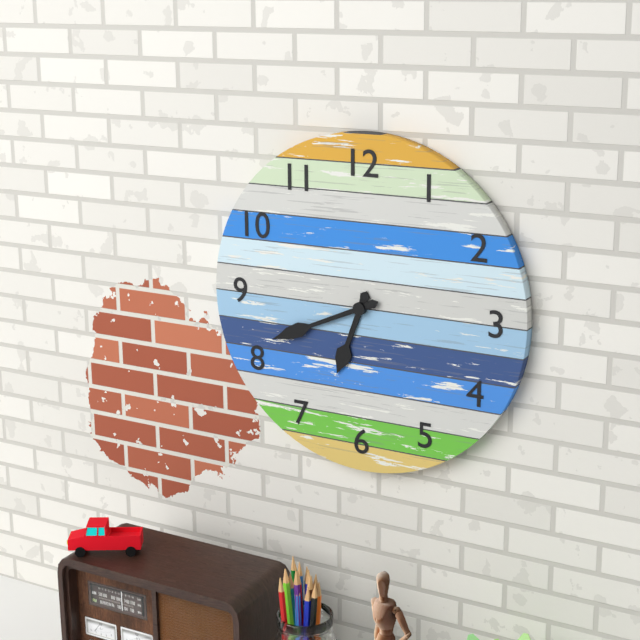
**6:41**
